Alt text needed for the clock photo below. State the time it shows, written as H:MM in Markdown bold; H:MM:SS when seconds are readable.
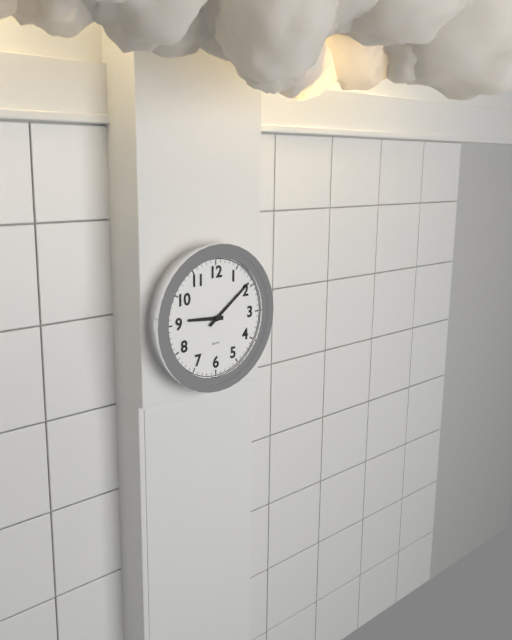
**9:09**
